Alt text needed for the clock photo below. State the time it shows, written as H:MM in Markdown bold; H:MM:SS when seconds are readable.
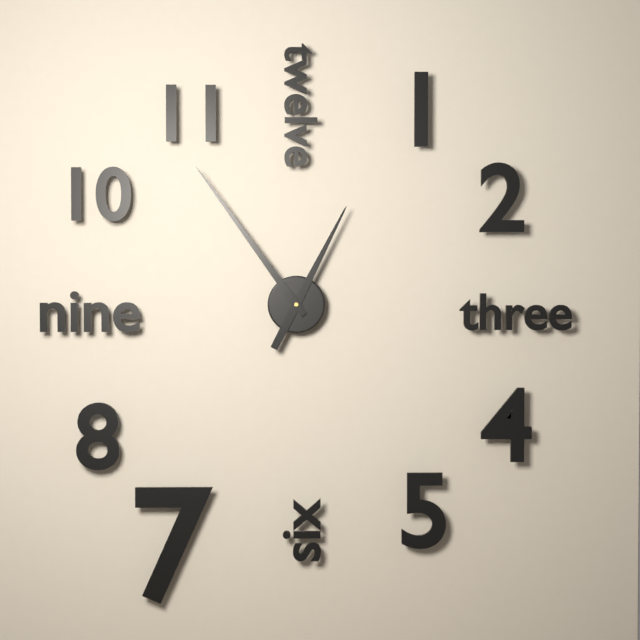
**12:54**
